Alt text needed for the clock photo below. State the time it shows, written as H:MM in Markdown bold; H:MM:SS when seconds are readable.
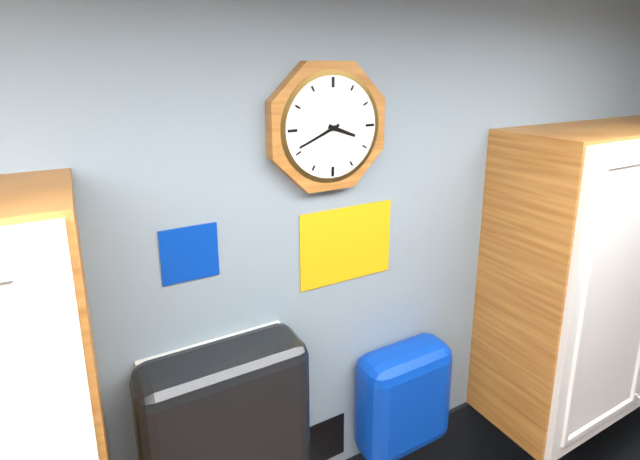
**3:41**
